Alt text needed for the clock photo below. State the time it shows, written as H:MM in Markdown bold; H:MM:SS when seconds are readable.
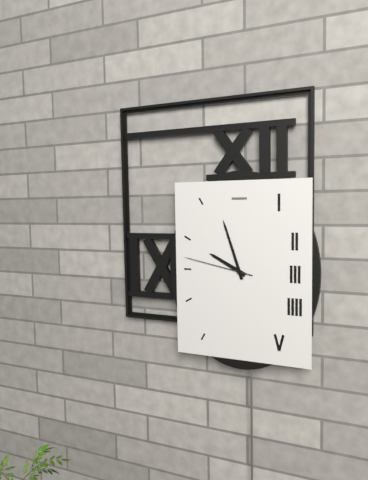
**9:57:47**
